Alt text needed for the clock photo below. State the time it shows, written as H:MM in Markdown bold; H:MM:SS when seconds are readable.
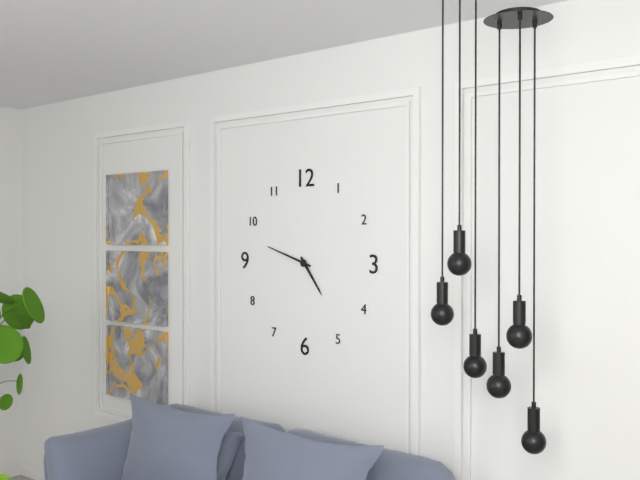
**4:48**
